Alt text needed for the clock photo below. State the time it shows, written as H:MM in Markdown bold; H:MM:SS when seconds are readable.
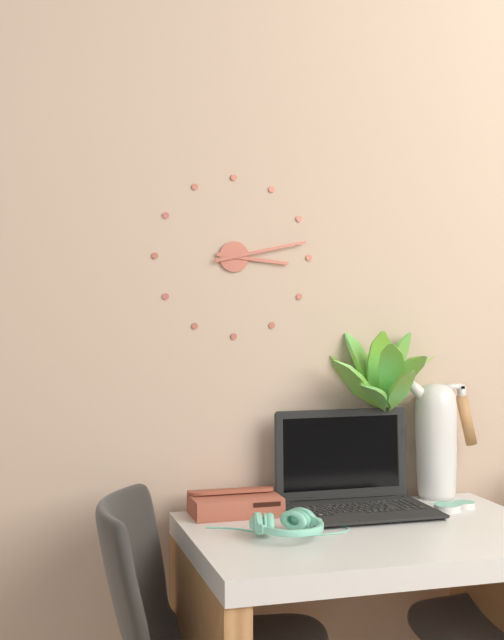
**3:13**
